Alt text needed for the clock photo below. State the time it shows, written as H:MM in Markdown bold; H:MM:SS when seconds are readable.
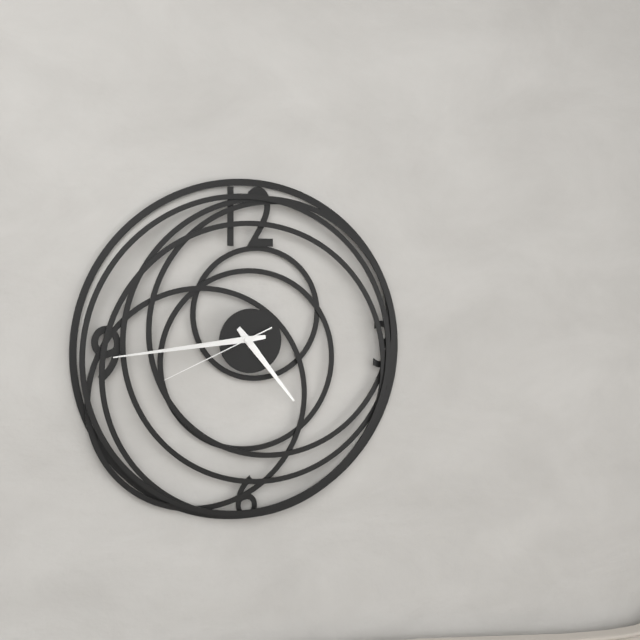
**4:44:41**
